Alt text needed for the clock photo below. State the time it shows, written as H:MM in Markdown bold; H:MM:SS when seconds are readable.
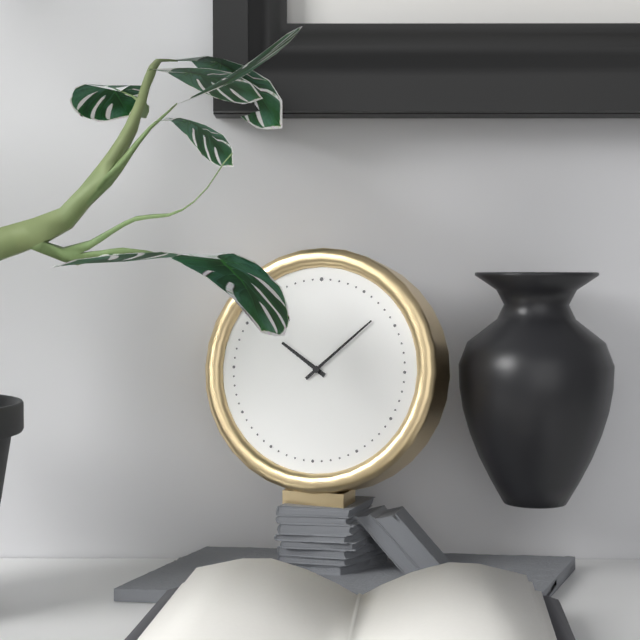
**10:08**
